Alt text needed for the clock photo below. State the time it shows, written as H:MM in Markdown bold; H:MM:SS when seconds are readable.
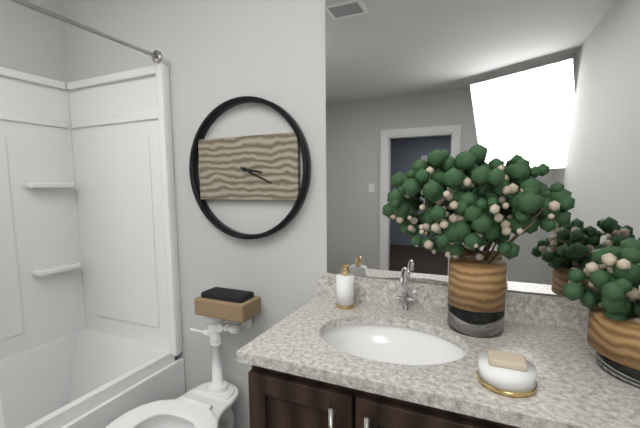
**3:19**
